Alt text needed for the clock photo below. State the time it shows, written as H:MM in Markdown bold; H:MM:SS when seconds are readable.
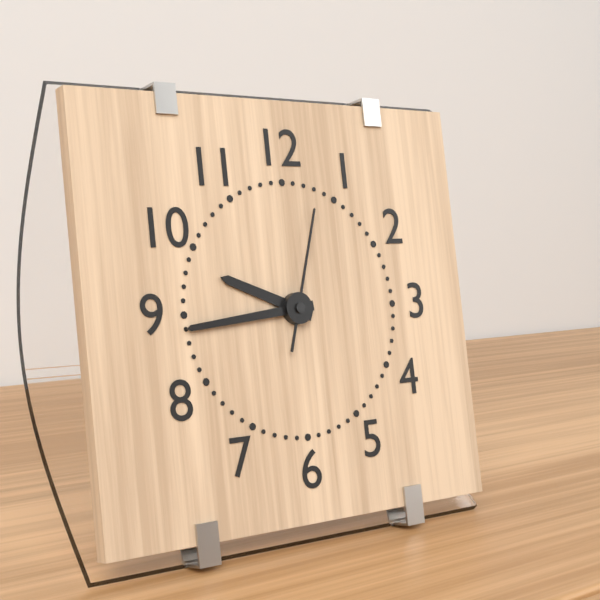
**9:44:03**
